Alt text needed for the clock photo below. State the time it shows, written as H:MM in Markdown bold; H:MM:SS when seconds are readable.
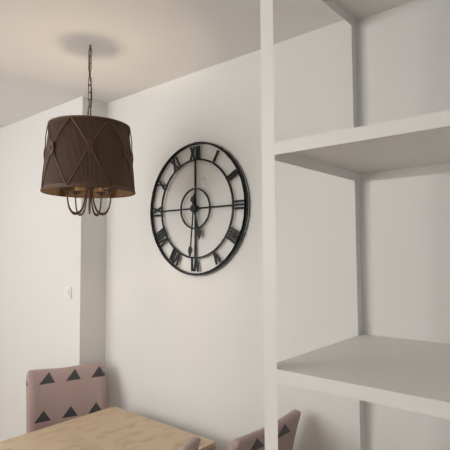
**5:31**
